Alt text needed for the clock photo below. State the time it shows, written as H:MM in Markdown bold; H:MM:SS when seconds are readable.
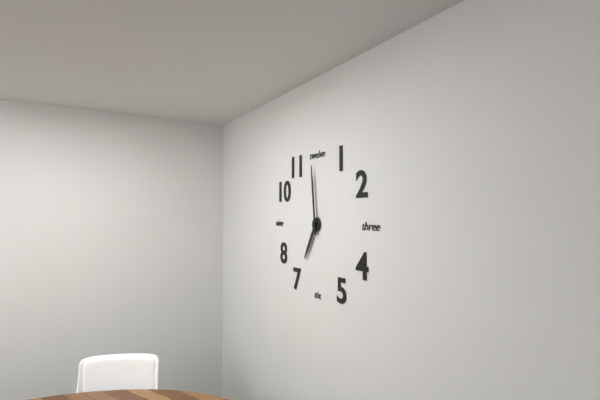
**6:59**
